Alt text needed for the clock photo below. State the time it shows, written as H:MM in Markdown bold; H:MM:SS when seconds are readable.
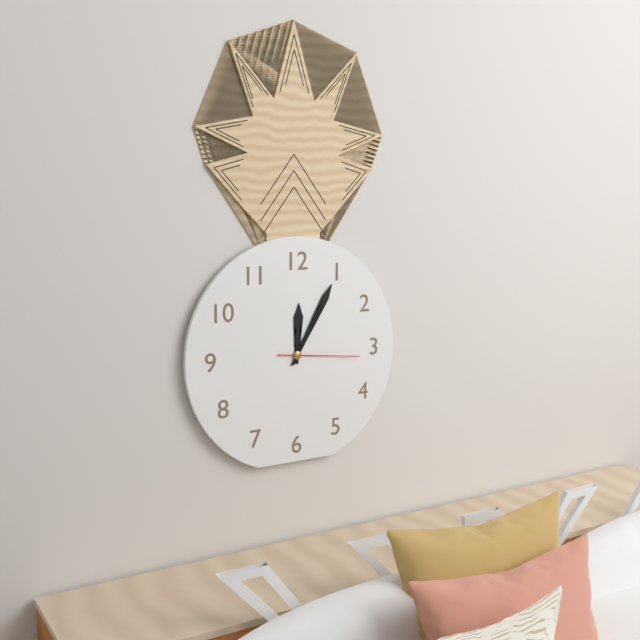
**12:05:16**
